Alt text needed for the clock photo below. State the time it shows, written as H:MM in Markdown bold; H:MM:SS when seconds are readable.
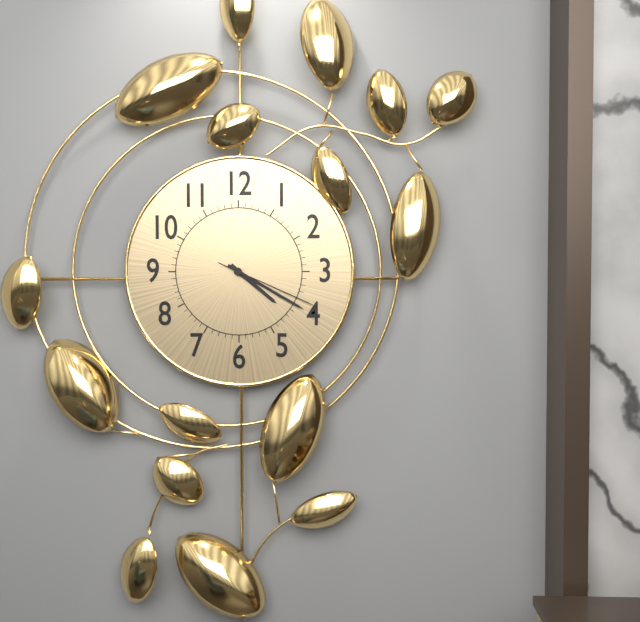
**4:20:19**
